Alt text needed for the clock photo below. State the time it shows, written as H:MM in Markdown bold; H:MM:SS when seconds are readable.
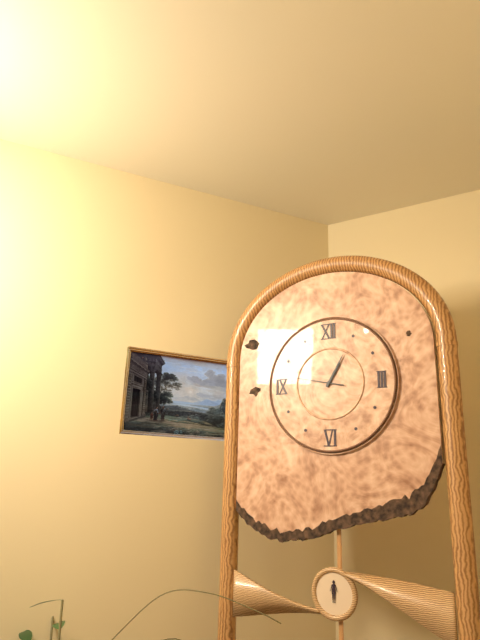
**1:05**
